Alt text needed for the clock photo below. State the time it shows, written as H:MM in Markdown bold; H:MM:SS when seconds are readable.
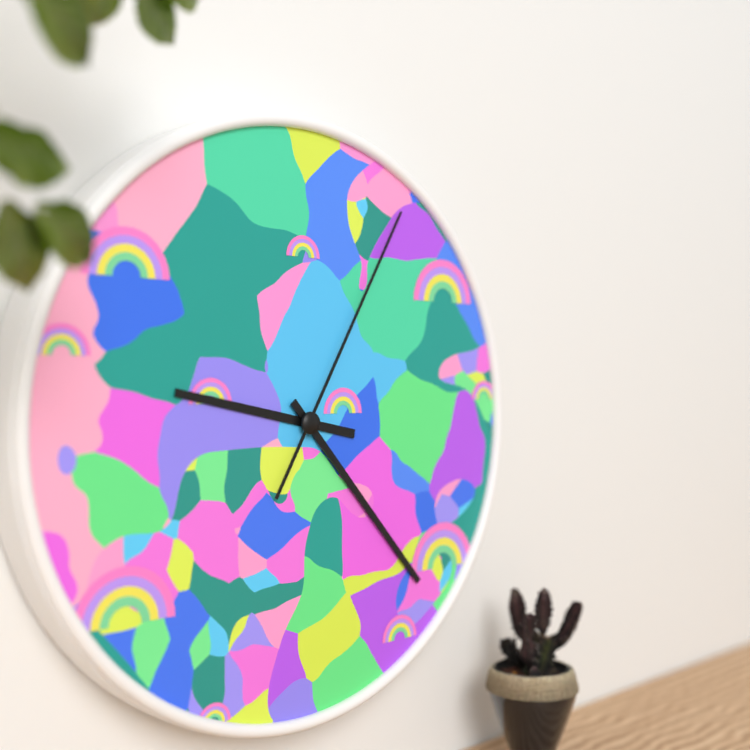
**9:23:05**
